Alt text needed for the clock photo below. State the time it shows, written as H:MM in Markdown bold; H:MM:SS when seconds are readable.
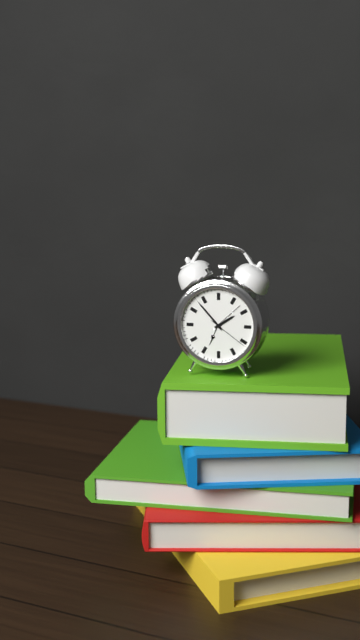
**1:53**
